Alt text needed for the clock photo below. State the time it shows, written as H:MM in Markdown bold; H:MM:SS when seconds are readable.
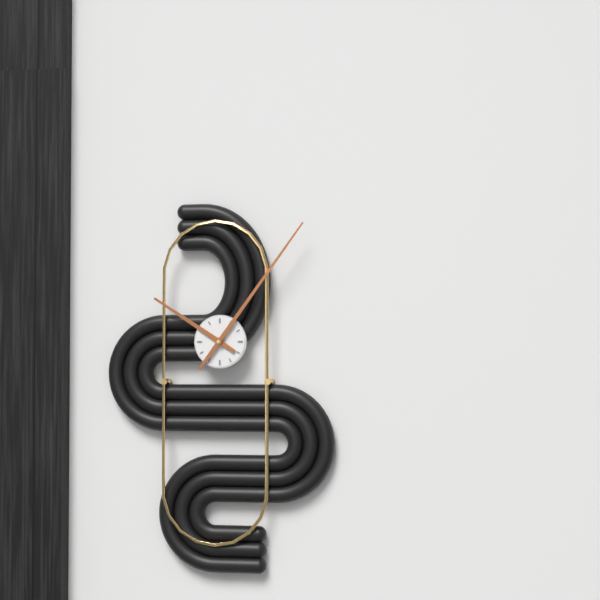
**10:06**
